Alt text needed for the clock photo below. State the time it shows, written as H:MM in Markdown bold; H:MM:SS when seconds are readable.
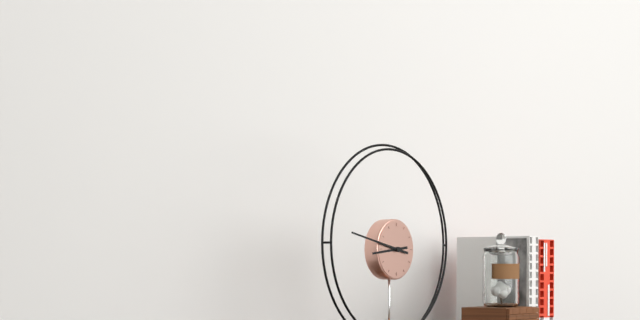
**8:47**
